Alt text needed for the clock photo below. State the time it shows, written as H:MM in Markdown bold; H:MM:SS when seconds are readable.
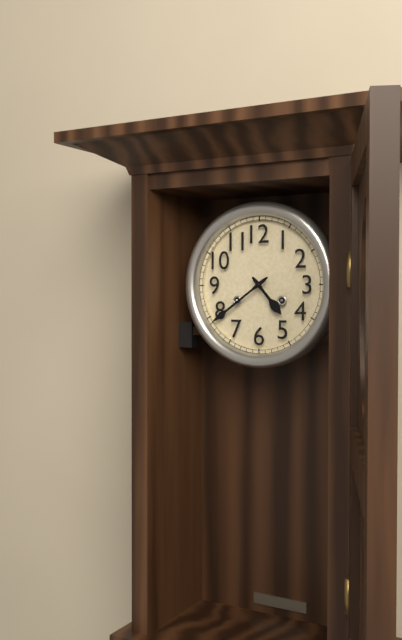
**4:39**
